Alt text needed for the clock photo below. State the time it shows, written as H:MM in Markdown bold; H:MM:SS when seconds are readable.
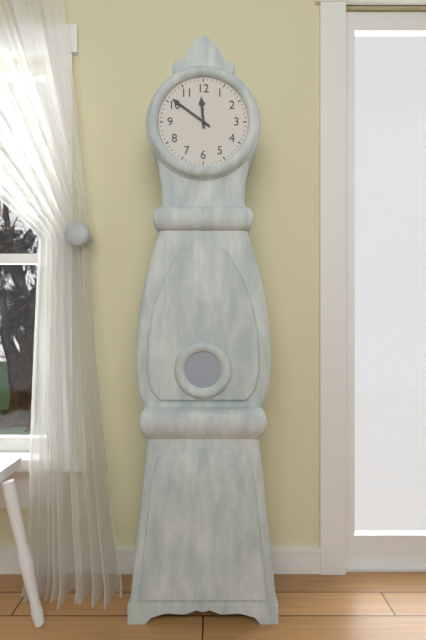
**11:51**
